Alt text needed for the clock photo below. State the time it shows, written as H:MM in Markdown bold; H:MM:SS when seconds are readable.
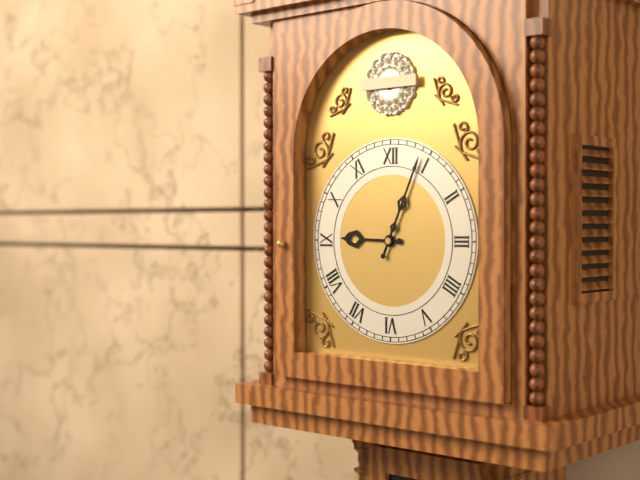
**9:04**
